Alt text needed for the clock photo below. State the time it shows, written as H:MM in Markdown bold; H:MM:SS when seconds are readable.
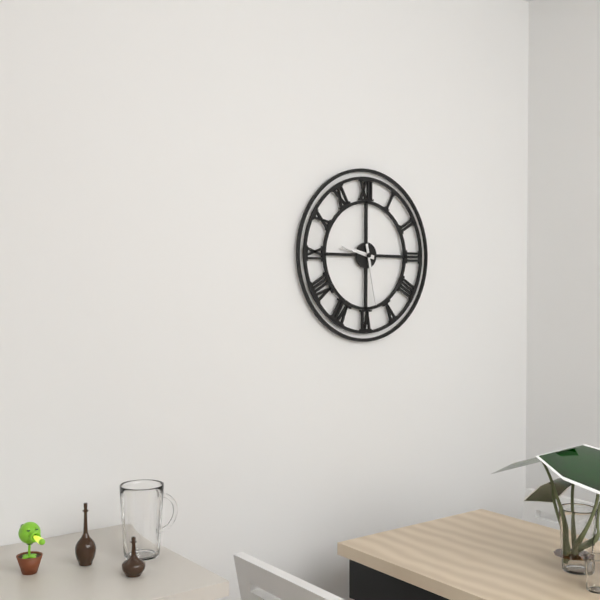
**9:28**
